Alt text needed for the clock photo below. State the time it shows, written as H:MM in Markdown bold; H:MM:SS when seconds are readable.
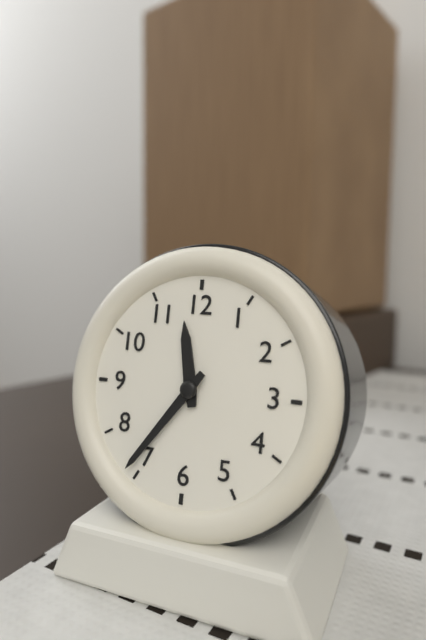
**11:36**
